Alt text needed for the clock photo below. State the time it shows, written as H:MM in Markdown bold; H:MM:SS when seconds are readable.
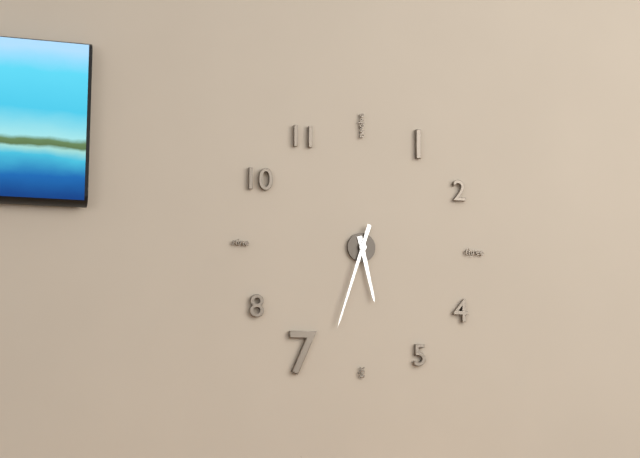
**5:33**
